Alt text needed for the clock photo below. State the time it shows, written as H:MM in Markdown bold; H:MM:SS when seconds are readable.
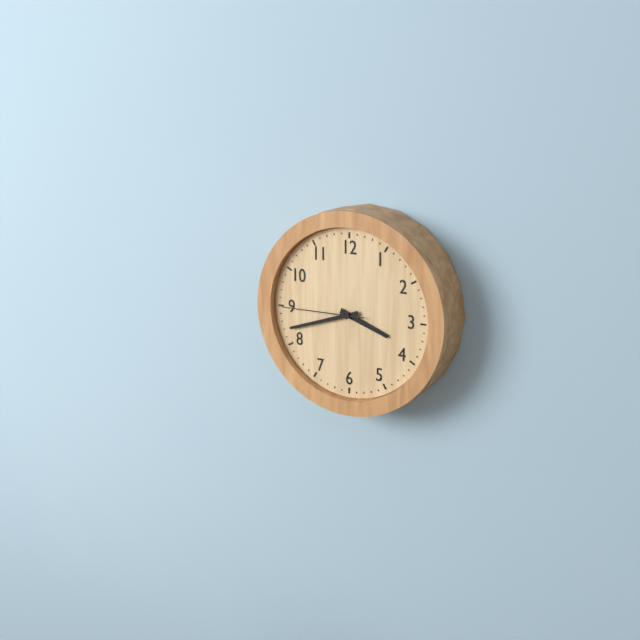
**3:42:45**
